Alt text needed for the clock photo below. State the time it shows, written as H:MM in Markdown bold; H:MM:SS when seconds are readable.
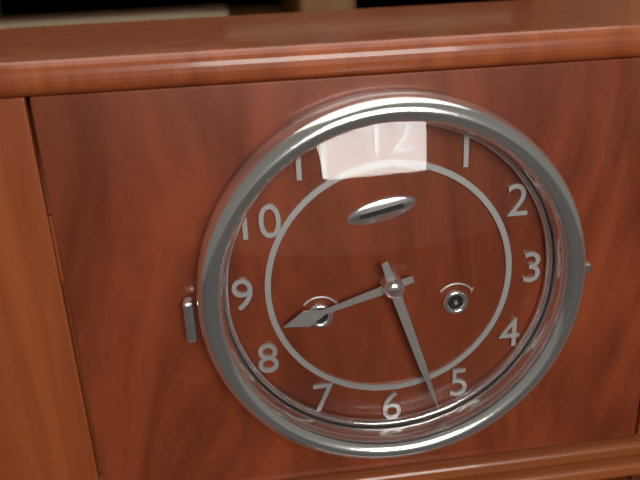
**8:27**
